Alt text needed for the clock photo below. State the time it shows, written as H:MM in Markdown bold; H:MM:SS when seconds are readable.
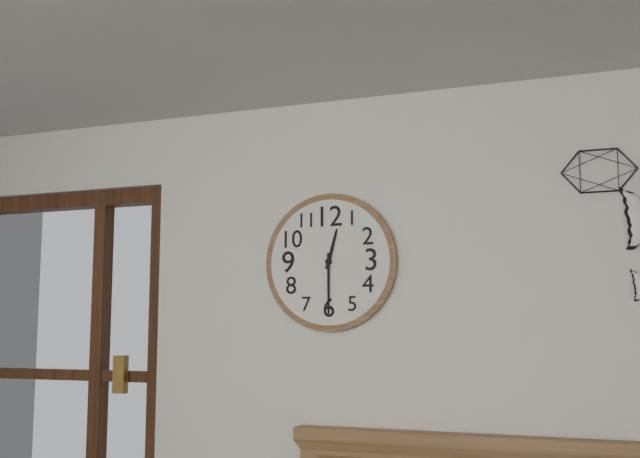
**12:30**
